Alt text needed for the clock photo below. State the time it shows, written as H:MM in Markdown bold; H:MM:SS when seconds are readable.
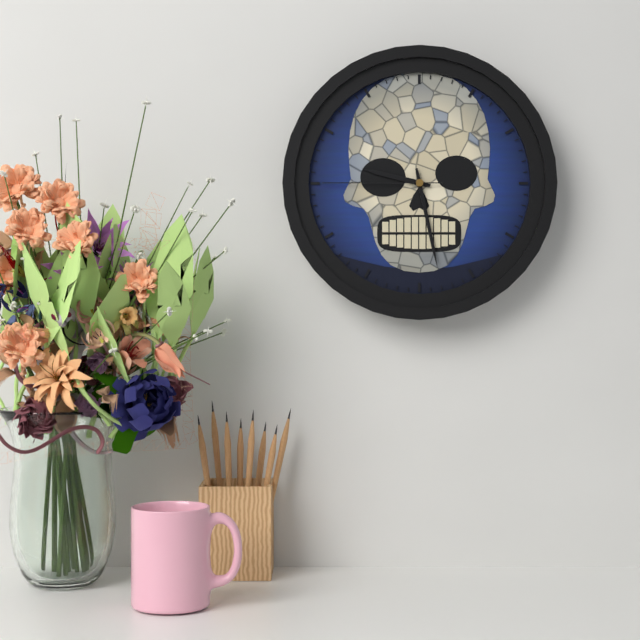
**9:28:45**
